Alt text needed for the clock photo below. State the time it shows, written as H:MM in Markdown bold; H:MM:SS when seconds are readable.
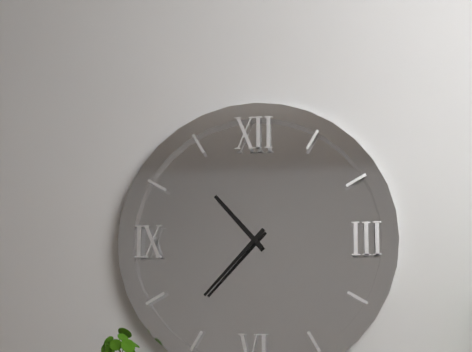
**10:37**
